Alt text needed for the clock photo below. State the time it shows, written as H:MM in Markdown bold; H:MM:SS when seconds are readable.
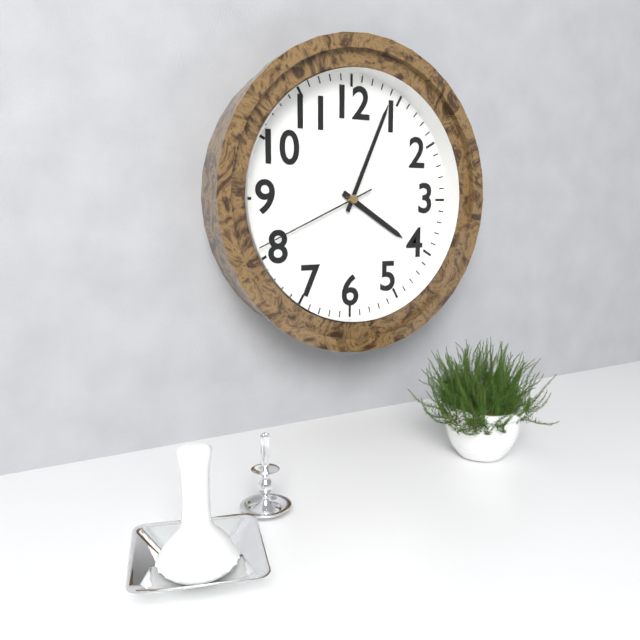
**4:04:41**
